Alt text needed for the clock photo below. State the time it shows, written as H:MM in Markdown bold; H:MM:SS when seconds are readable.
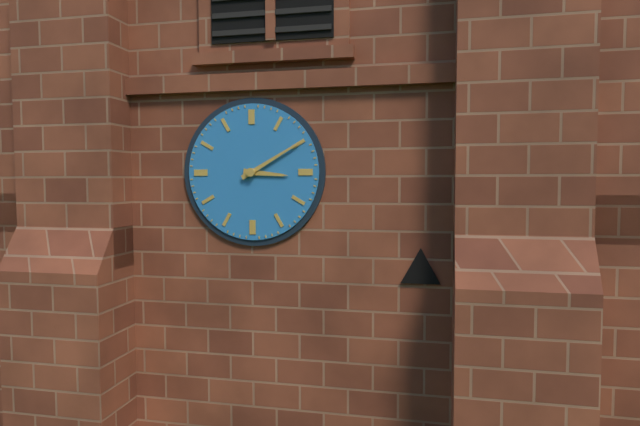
**3:10**
